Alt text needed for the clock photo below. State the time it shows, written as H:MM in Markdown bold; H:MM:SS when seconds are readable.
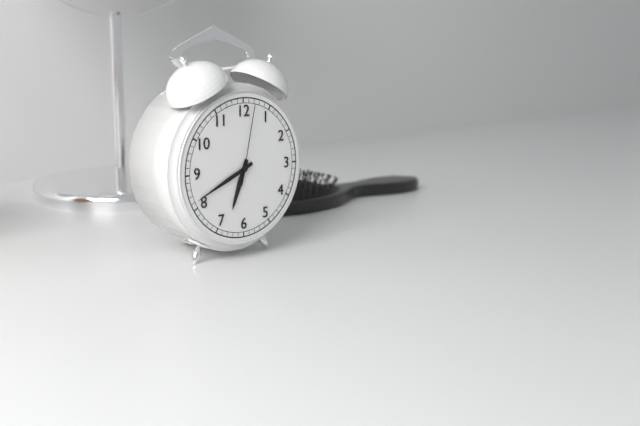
**6:41:02**
